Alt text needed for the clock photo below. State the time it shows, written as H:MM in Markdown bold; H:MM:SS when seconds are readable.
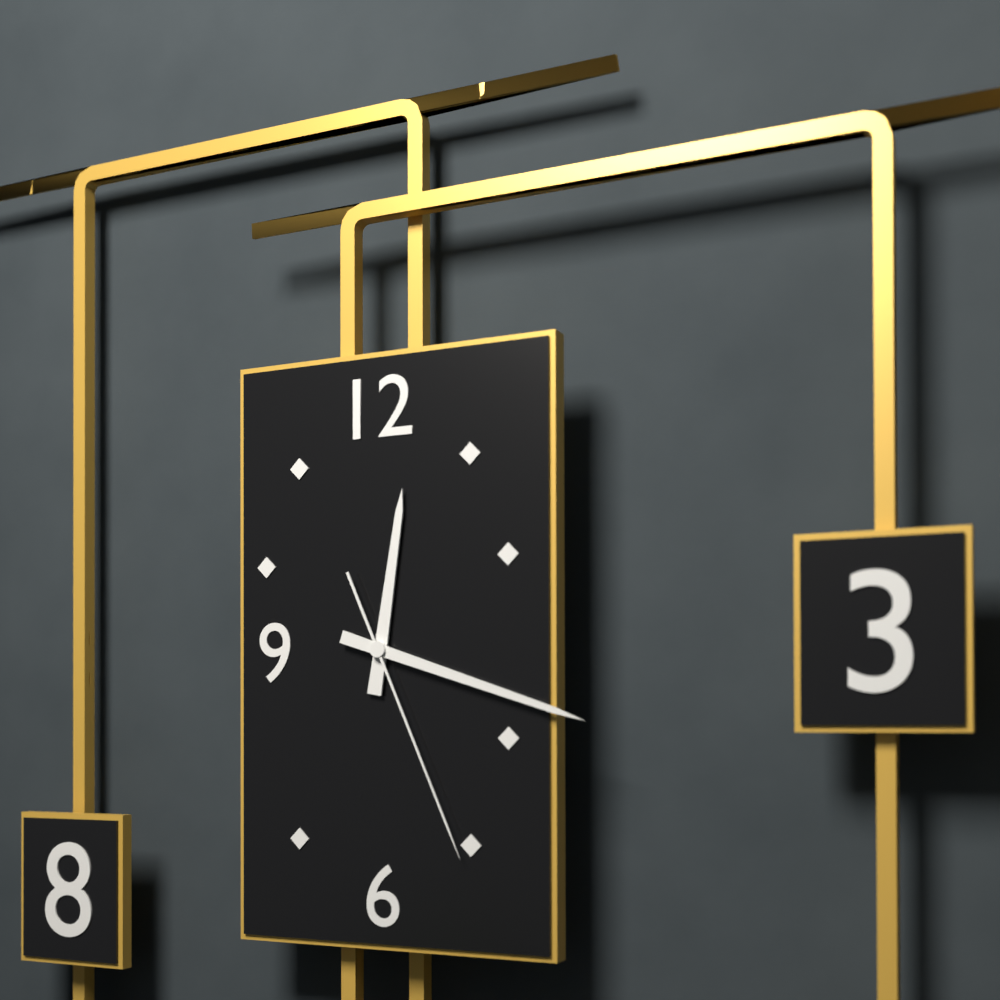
**12:18:26**
